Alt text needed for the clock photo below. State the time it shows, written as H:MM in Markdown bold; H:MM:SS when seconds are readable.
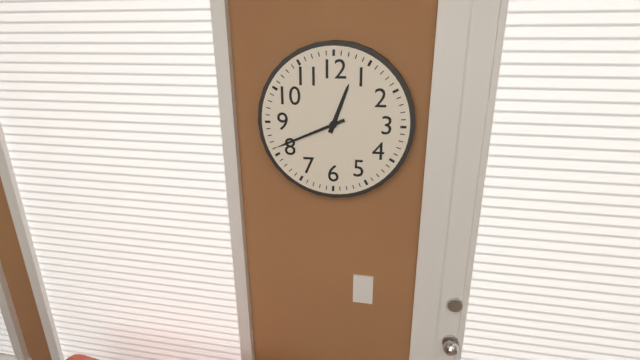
**12:41**
